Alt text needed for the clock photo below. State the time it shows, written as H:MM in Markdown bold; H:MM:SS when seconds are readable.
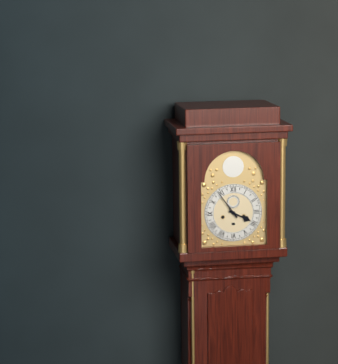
**3:54**
